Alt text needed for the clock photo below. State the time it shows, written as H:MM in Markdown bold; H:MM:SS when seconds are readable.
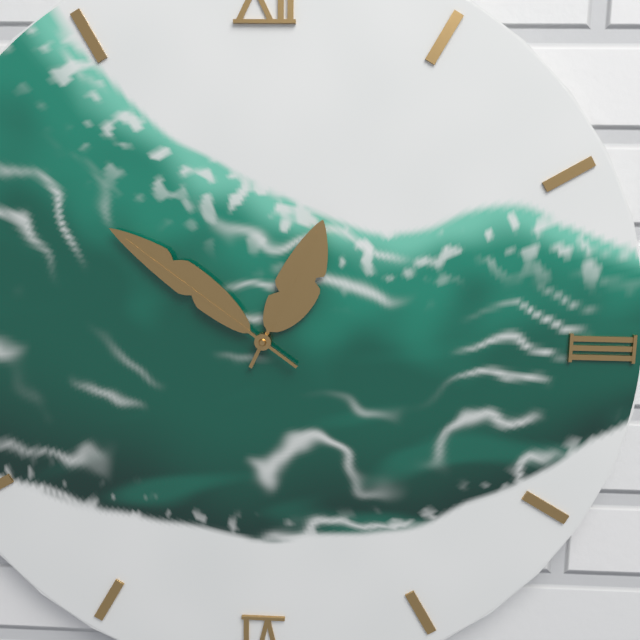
**12:51**
